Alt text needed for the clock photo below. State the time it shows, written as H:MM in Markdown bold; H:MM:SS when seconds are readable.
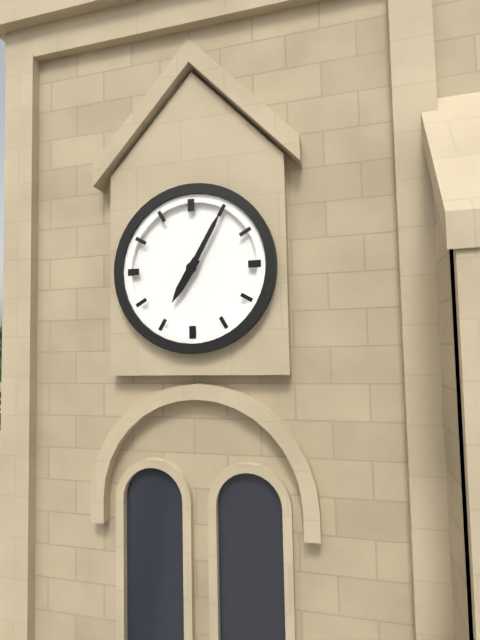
**7:05**
